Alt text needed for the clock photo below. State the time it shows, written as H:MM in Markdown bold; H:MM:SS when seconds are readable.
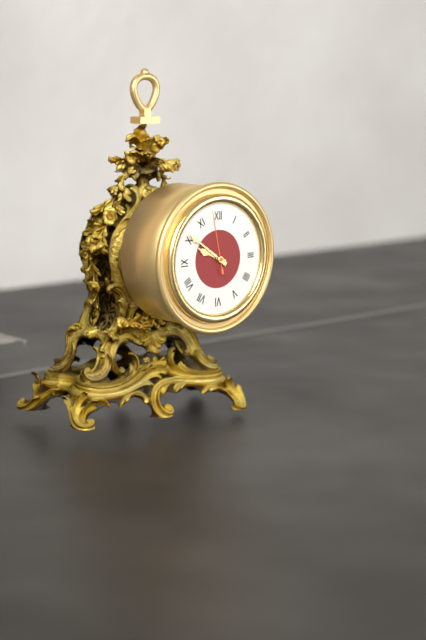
**9:51:58**
